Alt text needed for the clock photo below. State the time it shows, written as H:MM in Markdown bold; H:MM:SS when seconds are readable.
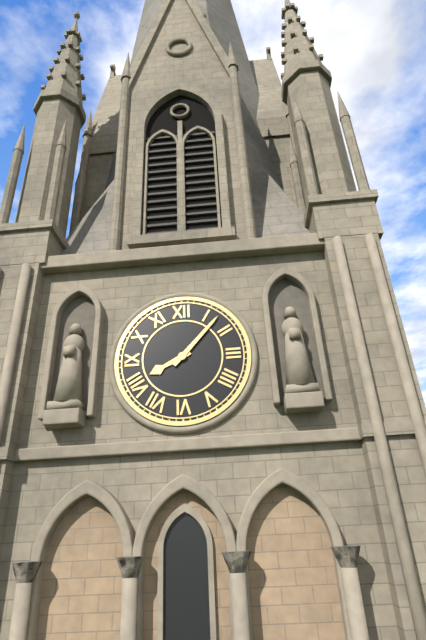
**8:07**
